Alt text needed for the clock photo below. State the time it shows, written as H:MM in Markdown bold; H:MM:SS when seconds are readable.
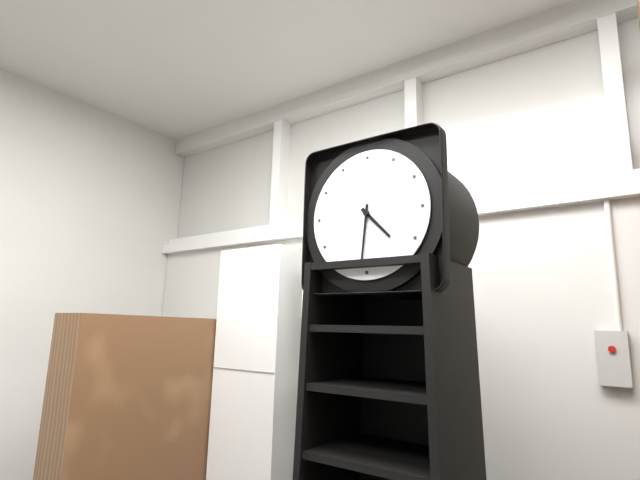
**4:31**
